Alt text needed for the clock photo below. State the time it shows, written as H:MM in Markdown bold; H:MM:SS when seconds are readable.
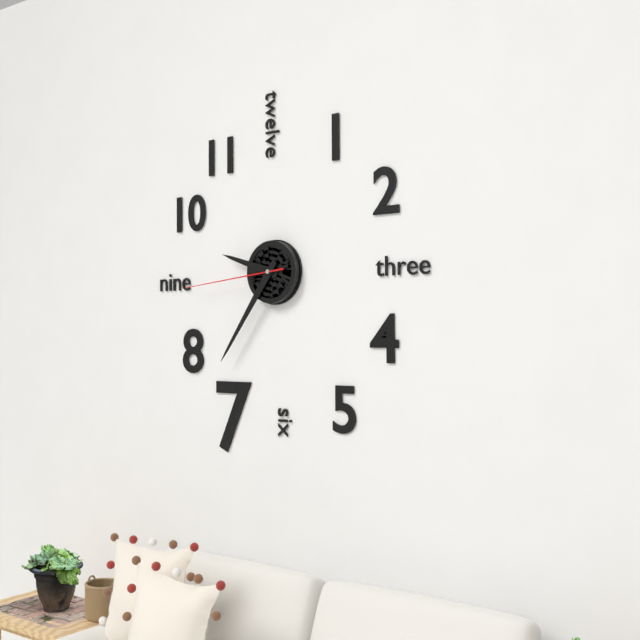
**9:36:44**
